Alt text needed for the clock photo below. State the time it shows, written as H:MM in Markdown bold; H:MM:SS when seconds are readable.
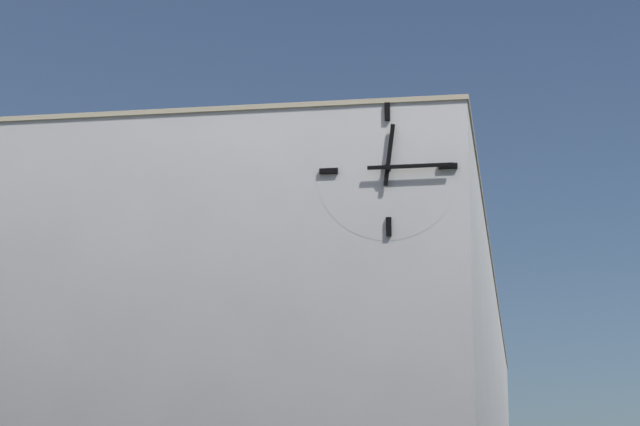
**12:15**
